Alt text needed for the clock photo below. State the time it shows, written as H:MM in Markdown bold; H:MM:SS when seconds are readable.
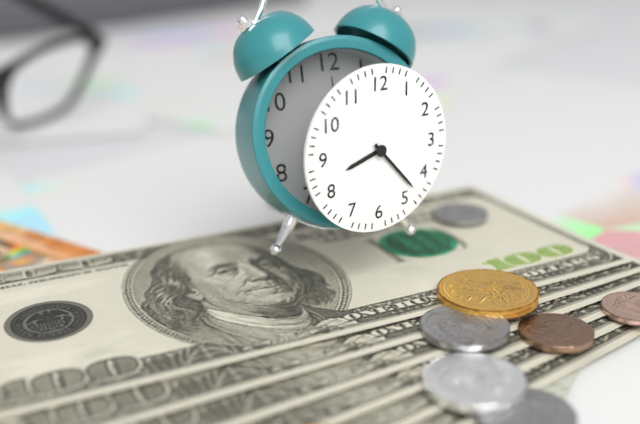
**8:23**
